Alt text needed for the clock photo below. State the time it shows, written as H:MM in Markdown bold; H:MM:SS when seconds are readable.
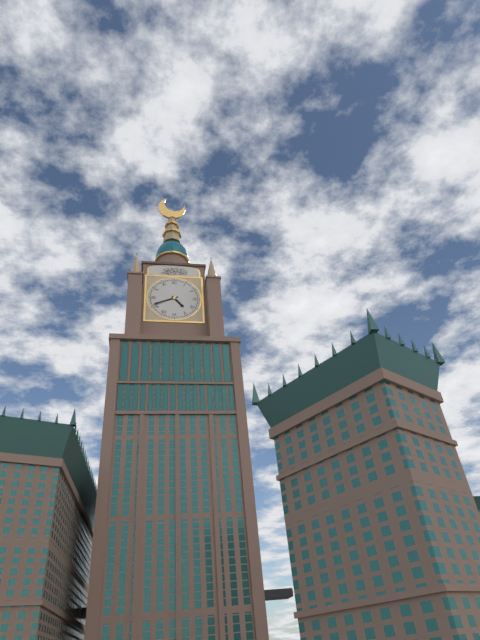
**4:41**
